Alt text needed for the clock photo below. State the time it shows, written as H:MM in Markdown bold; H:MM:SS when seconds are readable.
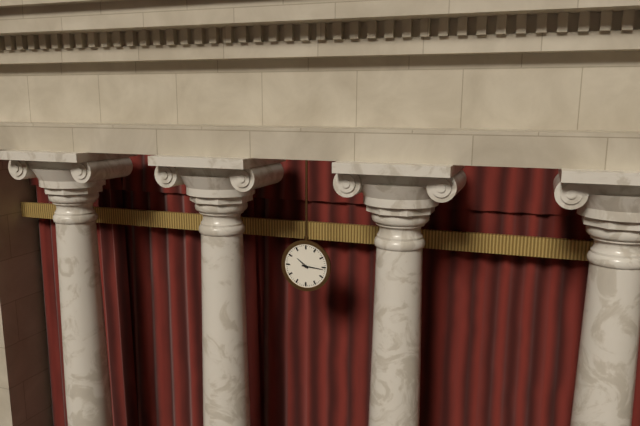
**10:16**
